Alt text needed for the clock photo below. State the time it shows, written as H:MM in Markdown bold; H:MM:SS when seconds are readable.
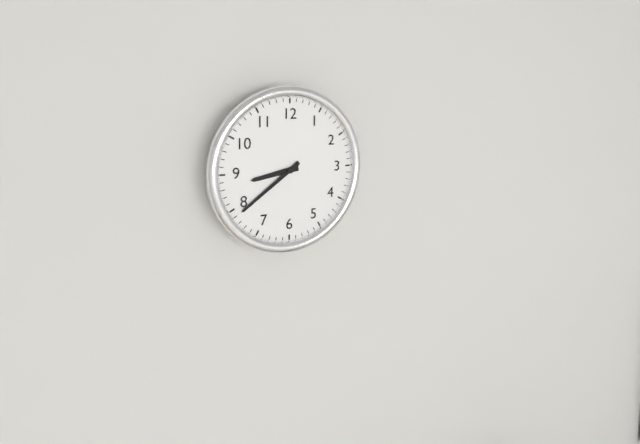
**8:39**
